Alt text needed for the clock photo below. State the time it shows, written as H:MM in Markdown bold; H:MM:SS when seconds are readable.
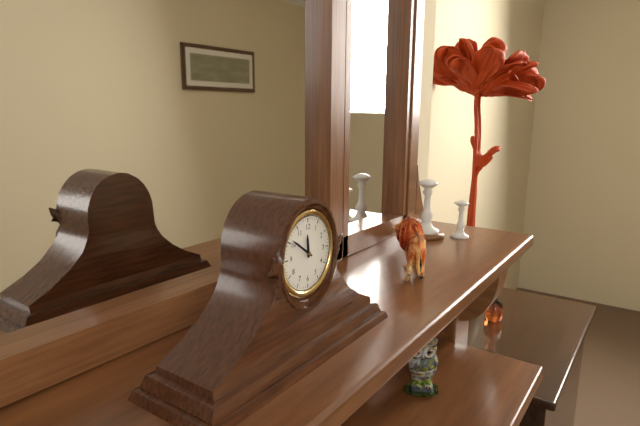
**11:51**
